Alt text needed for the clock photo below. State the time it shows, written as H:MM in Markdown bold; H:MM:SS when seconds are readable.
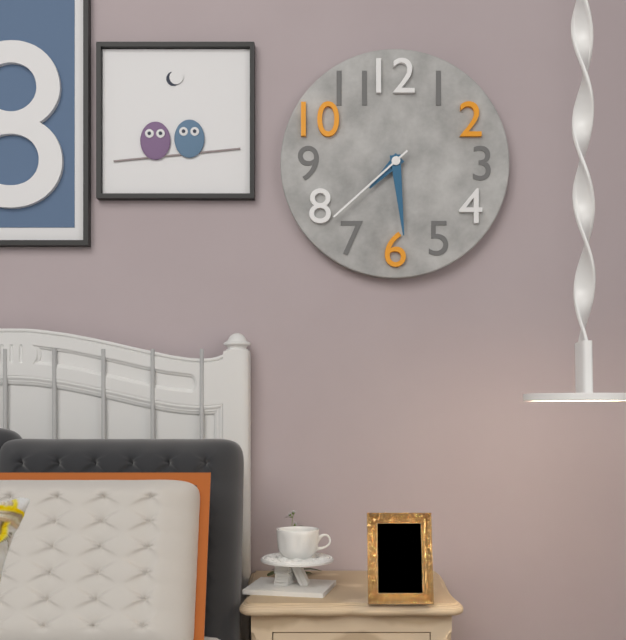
**7:29:38**
